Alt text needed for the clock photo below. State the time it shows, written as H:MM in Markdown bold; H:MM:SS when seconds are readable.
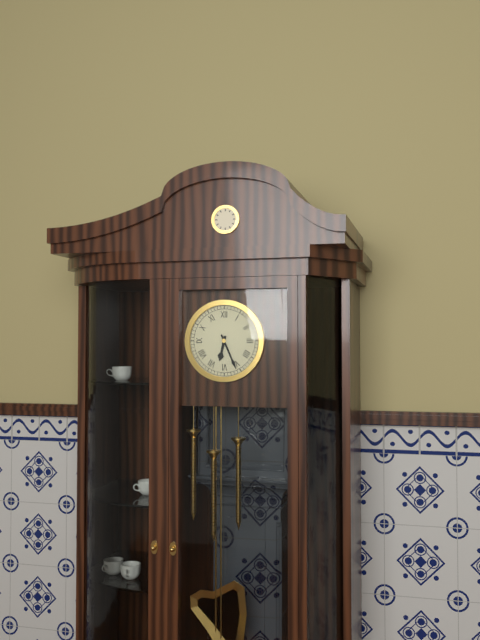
**6:26**
